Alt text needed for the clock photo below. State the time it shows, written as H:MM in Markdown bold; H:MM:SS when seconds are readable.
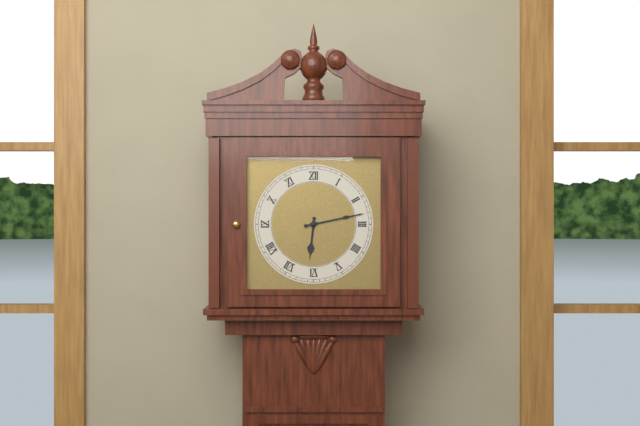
**6:13**
